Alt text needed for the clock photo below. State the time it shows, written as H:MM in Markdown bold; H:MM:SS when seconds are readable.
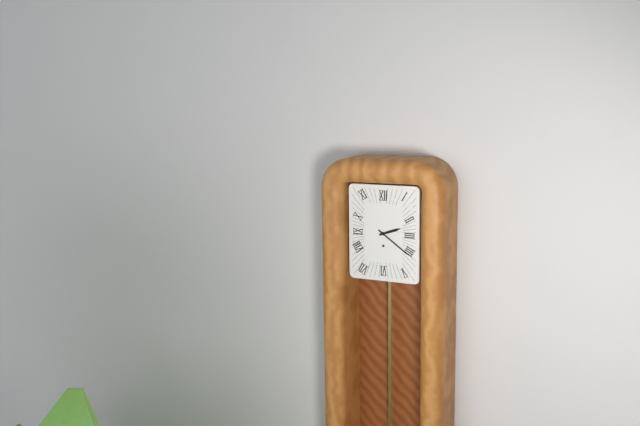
**2:21**
